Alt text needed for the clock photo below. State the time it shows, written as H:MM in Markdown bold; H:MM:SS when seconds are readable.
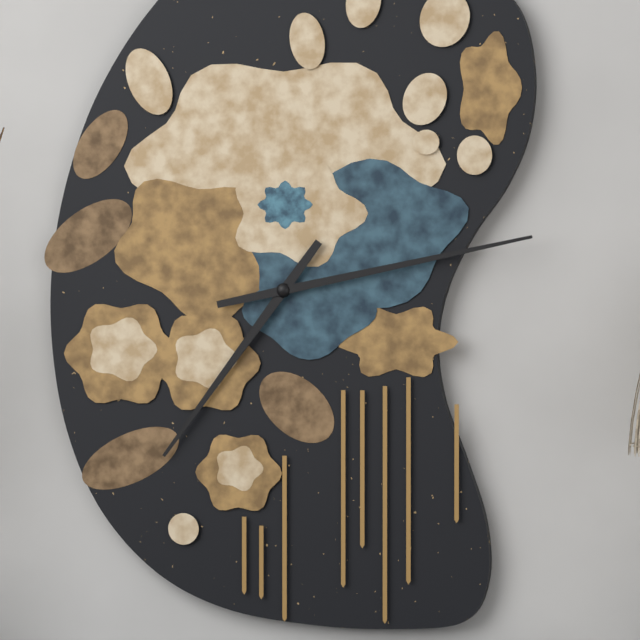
**7:13**
